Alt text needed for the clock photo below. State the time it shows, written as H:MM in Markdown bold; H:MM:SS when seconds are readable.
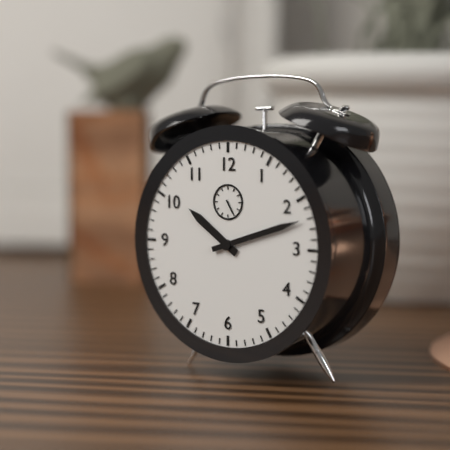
**10:12**
